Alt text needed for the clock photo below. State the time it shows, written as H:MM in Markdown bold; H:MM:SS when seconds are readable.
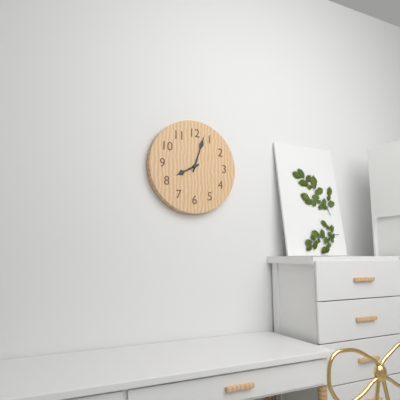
**8:03**
